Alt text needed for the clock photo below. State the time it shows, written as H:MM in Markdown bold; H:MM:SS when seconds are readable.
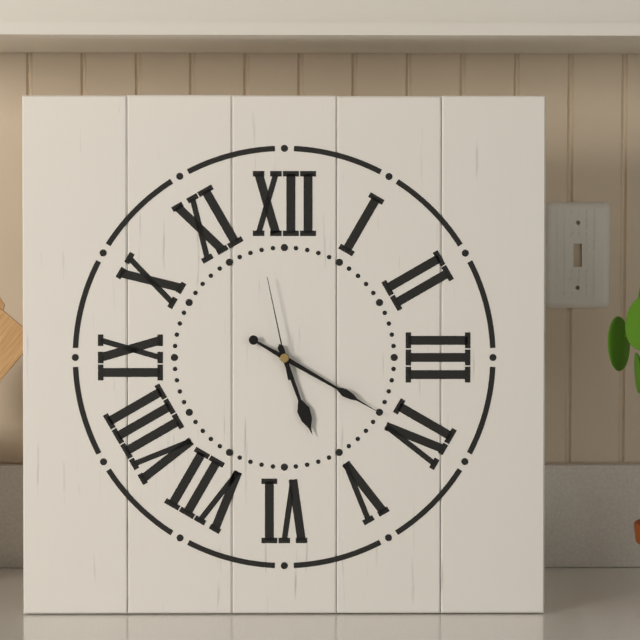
**5:20:58**
